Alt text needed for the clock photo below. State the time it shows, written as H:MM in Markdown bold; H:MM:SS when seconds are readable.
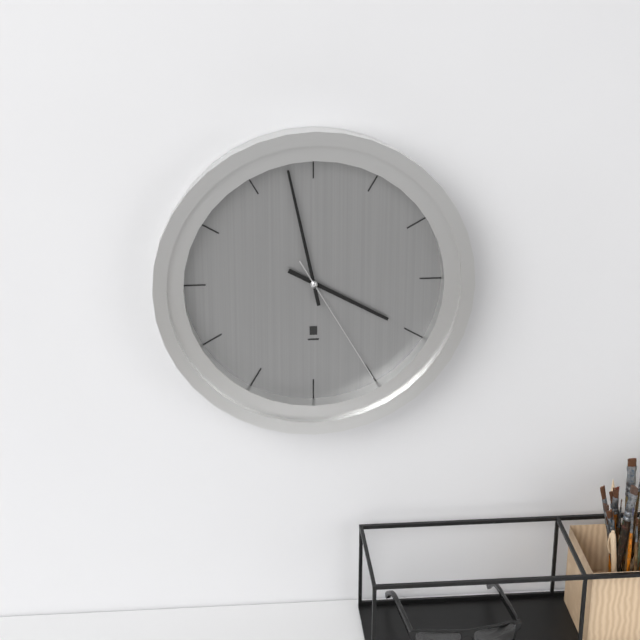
**3:58:25**
